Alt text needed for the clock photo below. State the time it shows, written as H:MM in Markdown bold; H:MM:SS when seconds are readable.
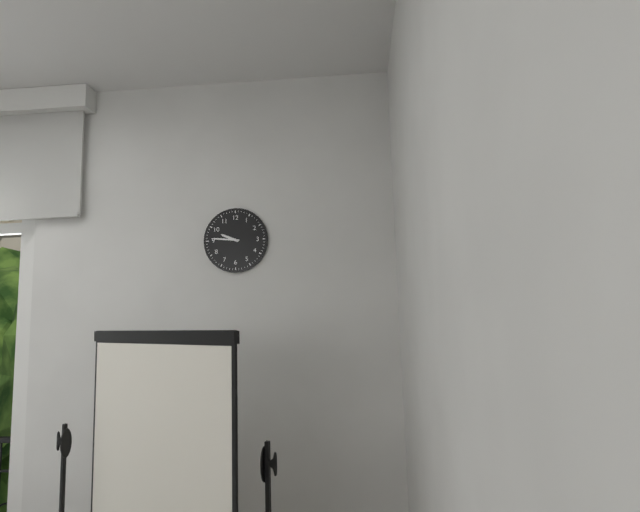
**9:46**
